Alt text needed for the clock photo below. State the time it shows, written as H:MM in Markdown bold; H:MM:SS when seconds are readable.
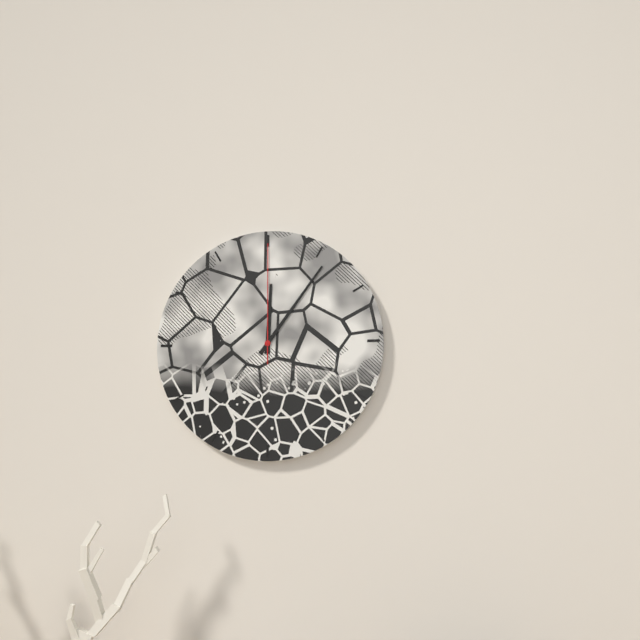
**12:06:00**
